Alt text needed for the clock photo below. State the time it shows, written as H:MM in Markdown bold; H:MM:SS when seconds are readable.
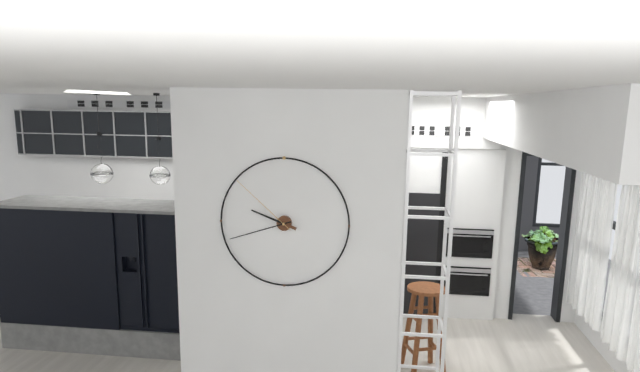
**9:42:52**
